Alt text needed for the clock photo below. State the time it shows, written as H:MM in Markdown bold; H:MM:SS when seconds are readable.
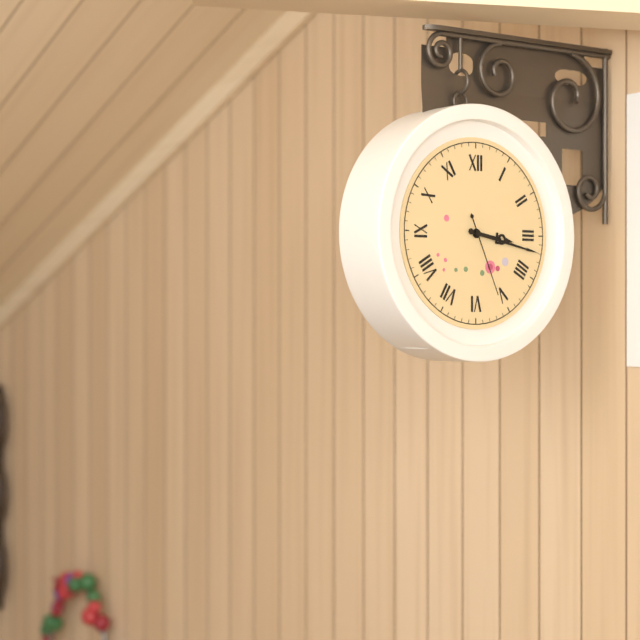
**3:17:26**
